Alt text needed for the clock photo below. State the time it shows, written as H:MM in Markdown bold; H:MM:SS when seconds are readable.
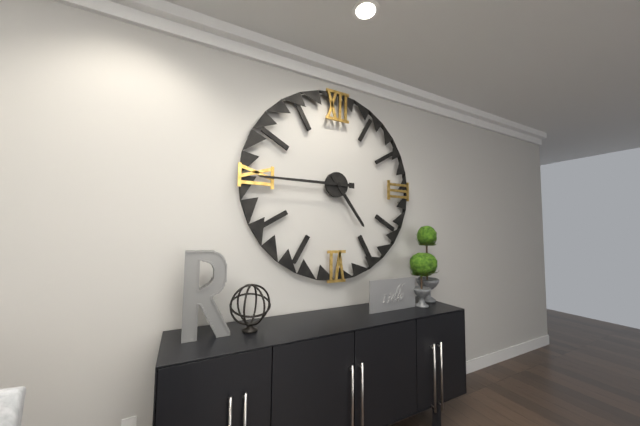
**4:45**
